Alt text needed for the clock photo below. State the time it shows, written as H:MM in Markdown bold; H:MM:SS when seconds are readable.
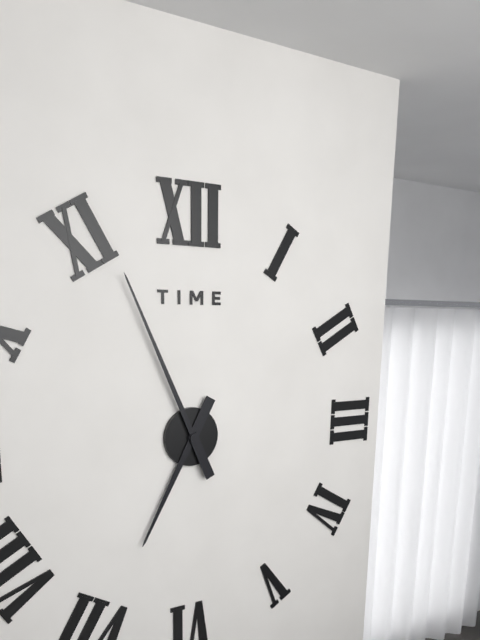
**6:56**
